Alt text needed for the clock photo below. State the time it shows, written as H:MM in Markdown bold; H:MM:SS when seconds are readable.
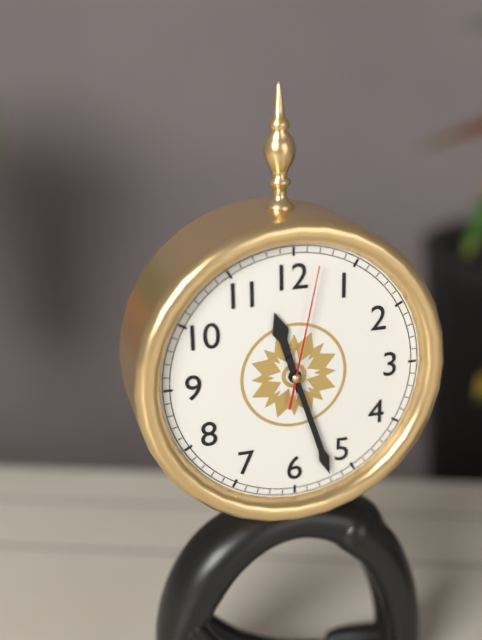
**11:27:02**
